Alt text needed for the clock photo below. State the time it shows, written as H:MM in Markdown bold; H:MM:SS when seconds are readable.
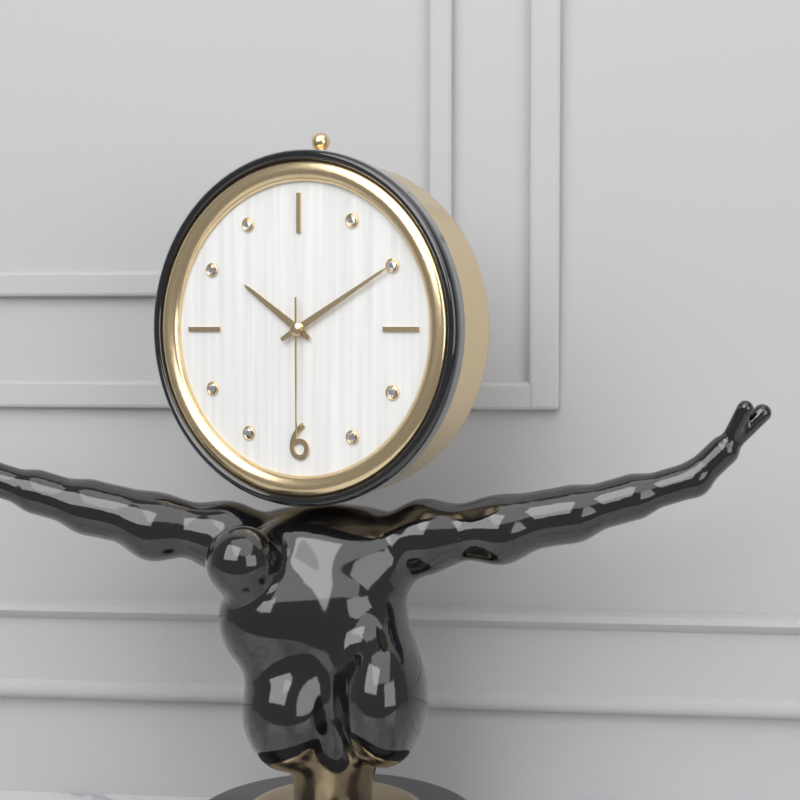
**10:10:30**
